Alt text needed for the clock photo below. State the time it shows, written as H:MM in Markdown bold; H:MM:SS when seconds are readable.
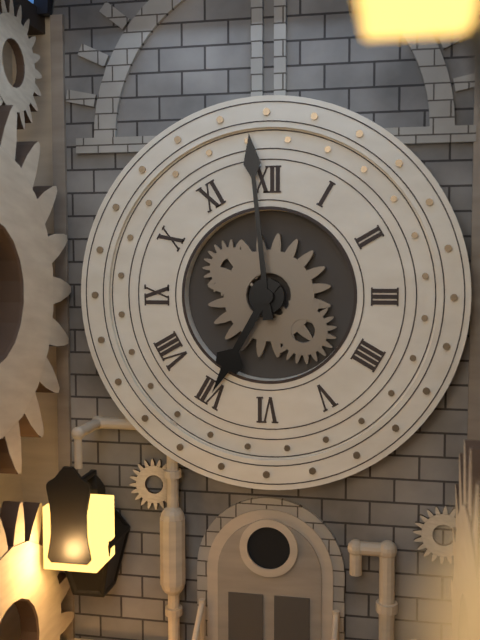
**6:59**
